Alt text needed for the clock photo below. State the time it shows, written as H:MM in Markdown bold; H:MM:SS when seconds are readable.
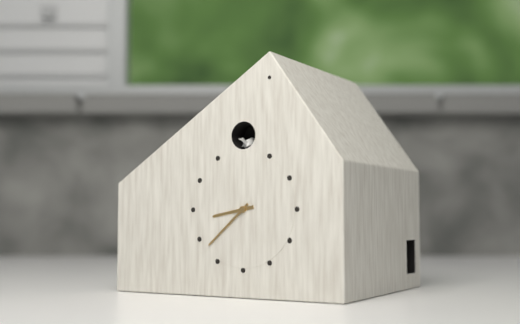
**8:38**
